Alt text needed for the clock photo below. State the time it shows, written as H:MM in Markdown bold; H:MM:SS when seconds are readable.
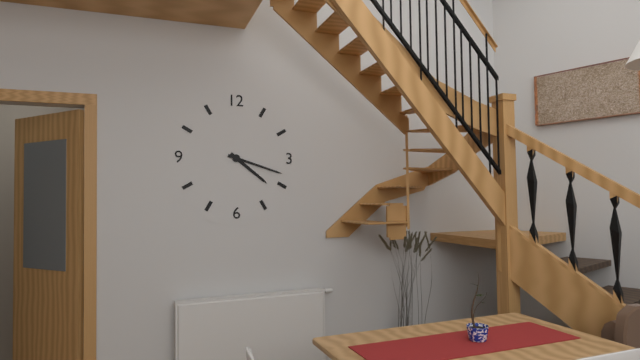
**4:18**
